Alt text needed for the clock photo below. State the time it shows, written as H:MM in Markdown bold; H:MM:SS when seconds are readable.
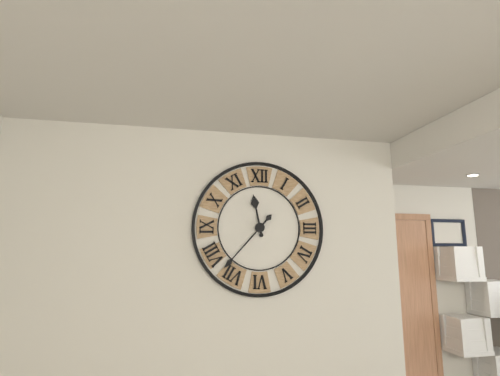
**11:37**
